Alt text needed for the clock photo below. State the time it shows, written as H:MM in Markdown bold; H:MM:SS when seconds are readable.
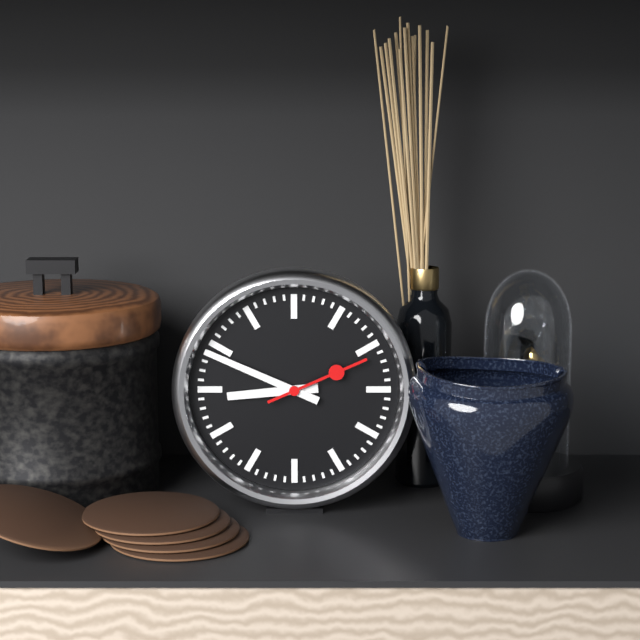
**8:49:11**
